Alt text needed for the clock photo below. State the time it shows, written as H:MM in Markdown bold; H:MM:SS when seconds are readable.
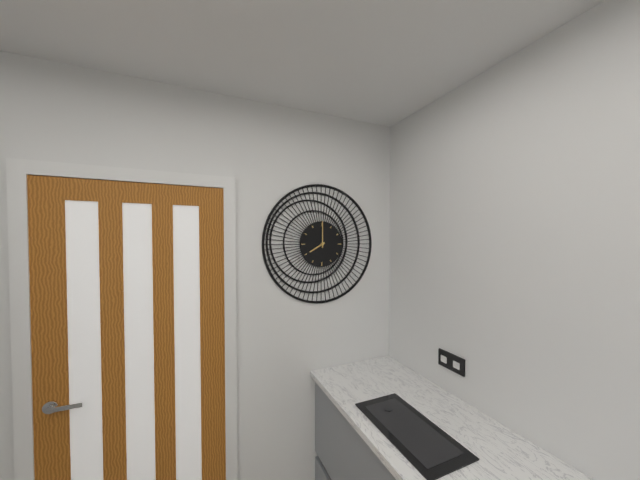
**8:00**
